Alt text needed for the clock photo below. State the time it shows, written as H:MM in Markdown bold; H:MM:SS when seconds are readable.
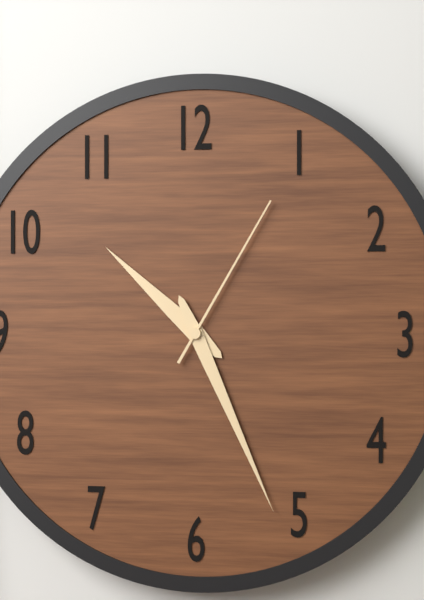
**10:26:05**
